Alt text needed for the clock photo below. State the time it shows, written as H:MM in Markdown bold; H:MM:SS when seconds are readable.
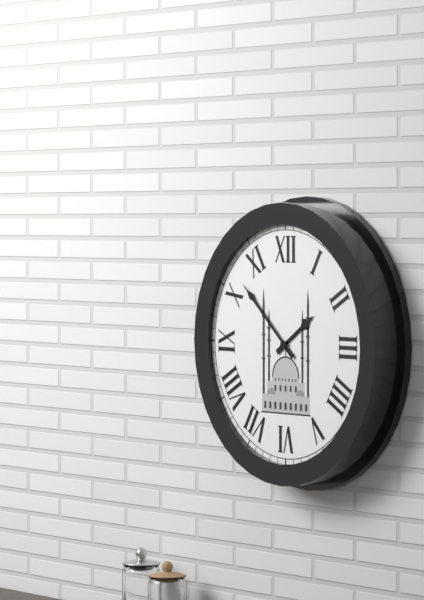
**1:52**
